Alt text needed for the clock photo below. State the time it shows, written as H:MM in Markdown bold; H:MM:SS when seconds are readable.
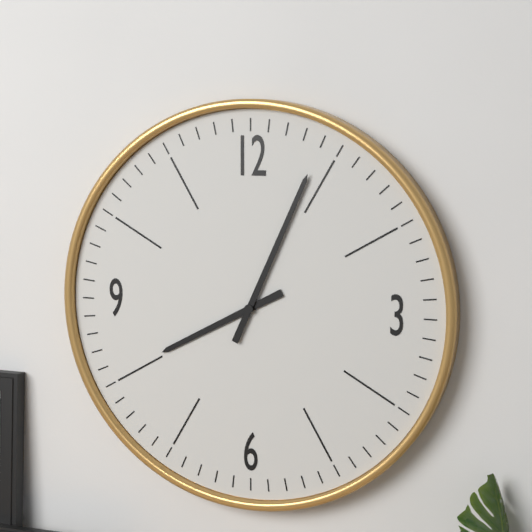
**8:04**
